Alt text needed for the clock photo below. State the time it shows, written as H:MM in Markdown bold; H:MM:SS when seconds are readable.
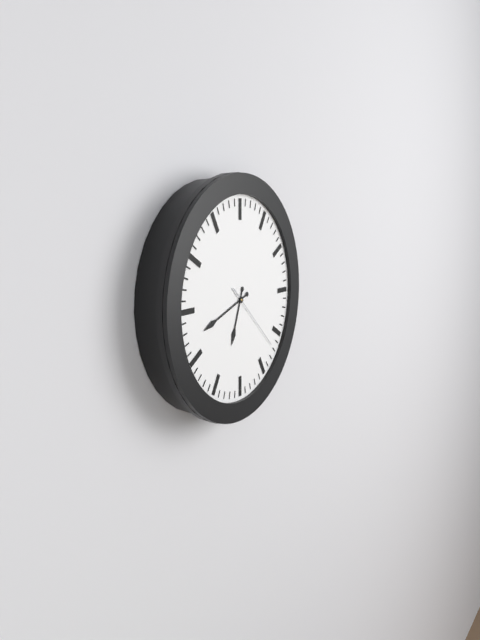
**6:42:22**
